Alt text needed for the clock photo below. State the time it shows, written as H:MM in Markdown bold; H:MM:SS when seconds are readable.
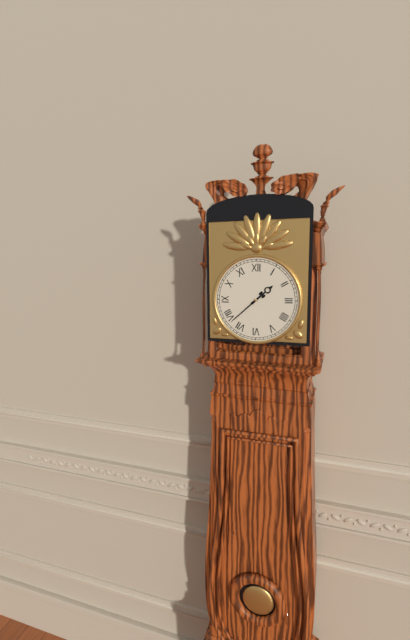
**1:38**
